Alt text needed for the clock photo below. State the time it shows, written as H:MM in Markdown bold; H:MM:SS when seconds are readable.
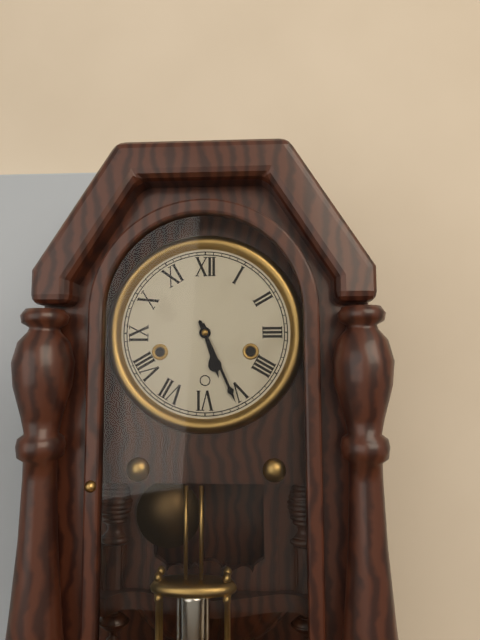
**5:26**
